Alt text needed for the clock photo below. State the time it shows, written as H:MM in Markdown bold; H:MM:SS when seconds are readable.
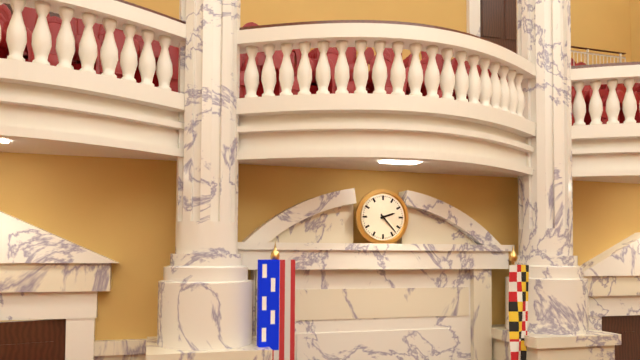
**2:23**
